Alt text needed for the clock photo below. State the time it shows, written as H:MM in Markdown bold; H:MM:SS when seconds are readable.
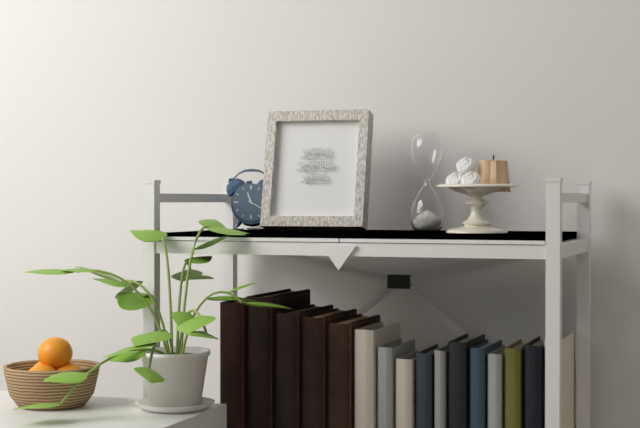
**11:20**
